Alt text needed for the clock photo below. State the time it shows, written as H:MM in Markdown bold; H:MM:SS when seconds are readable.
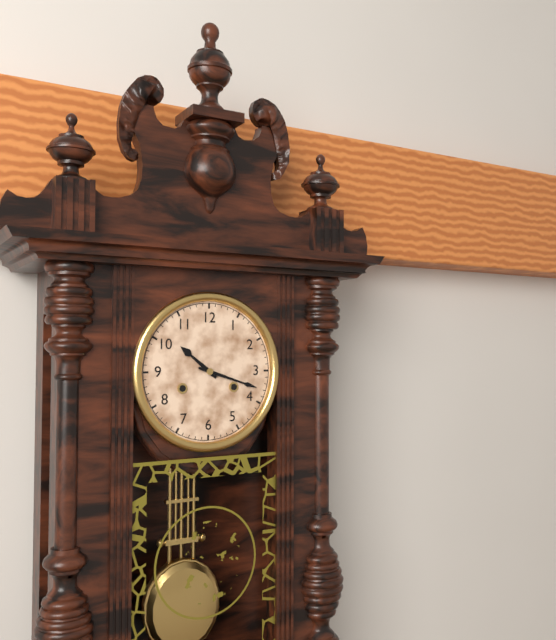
**10:18**
